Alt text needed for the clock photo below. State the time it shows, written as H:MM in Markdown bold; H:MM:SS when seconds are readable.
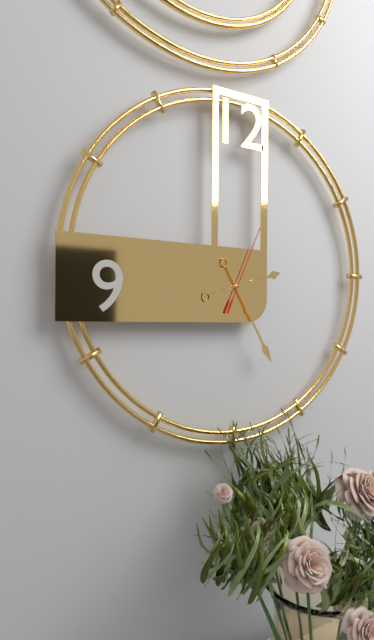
**2:25:04**
